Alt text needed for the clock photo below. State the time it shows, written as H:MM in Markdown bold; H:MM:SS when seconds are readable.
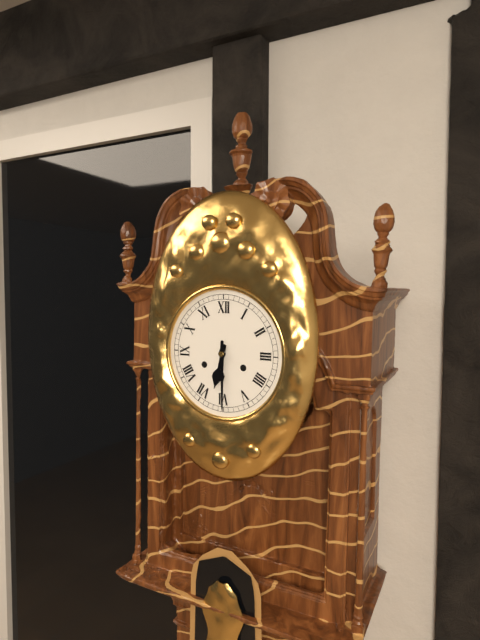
**6:30**
